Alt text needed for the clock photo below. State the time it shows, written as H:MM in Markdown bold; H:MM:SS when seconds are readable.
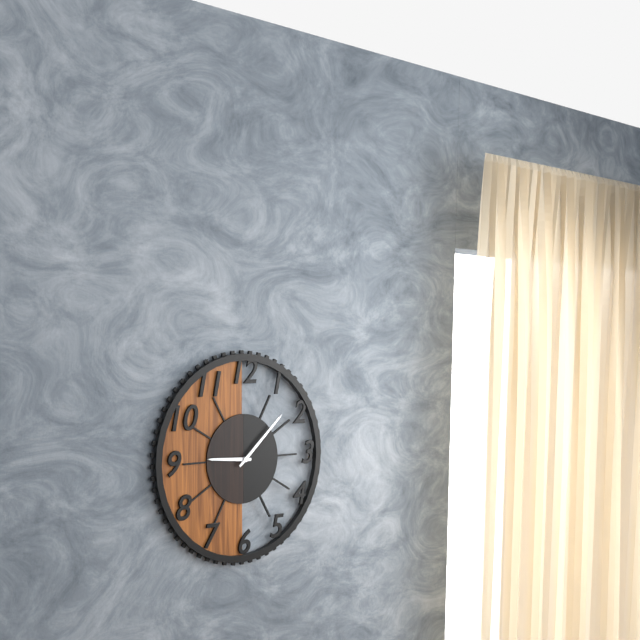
**9:08**
